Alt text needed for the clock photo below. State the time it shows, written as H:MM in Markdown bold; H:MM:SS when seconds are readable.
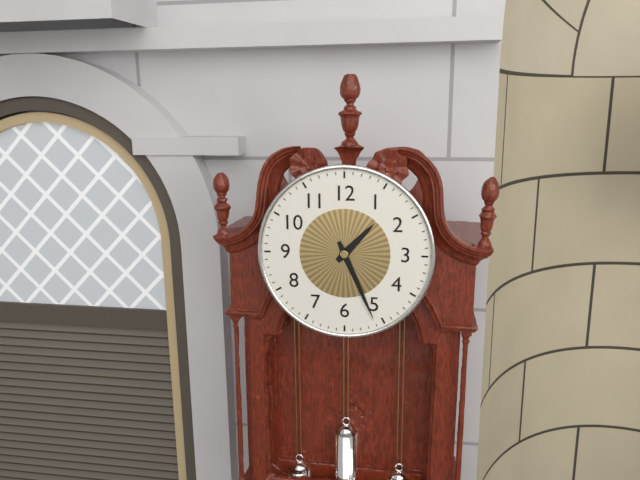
**1:26**
